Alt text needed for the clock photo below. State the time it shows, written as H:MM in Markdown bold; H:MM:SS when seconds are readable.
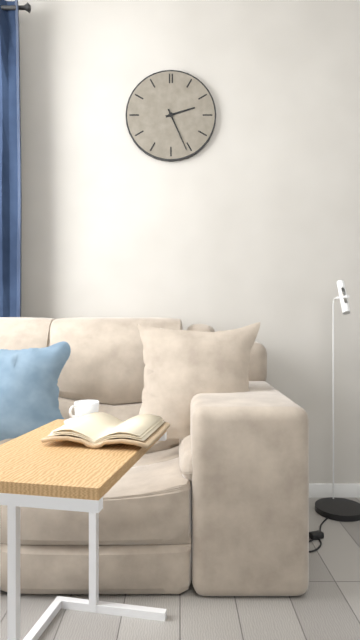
**2:26**
